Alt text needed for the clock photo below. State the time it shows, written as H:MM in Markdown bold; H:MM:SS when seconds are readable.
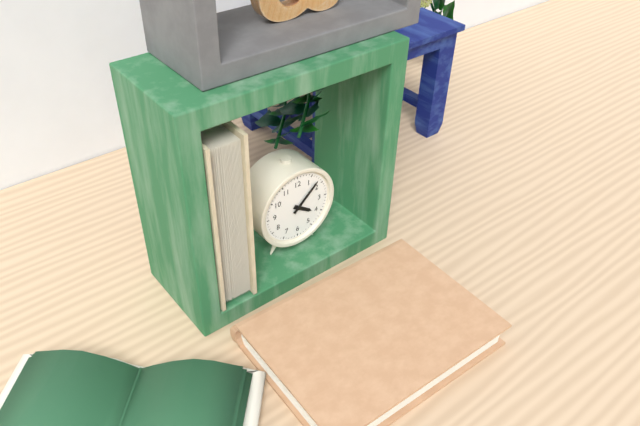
**4:08**
